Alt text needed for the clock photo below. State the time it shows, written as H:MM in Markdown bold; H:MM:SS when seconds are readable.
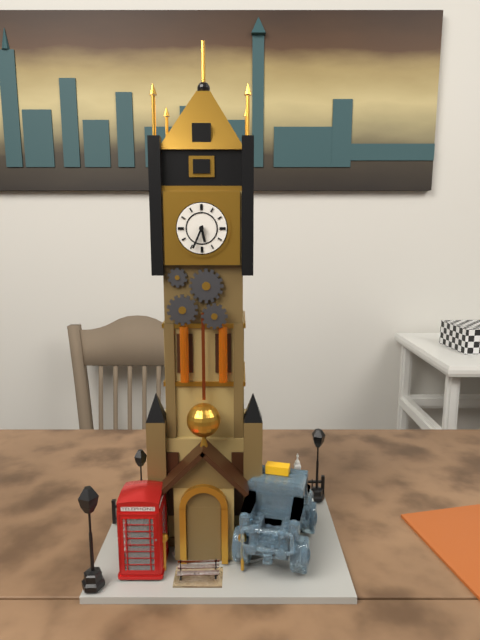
**5:34**
